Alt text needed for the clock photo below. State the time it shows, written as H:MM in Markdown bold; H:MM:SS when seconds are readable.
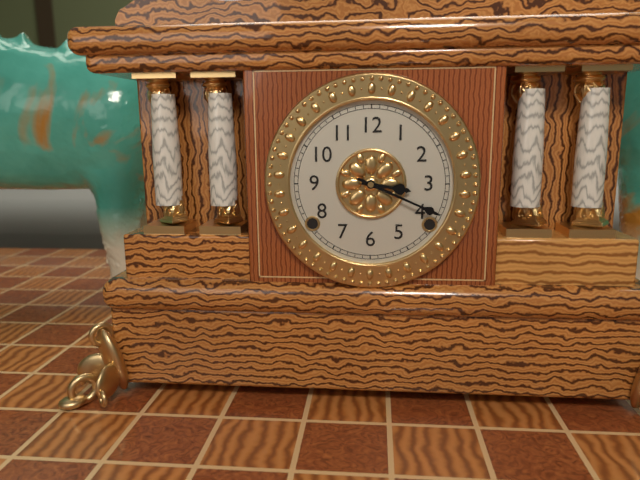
**3:19**
